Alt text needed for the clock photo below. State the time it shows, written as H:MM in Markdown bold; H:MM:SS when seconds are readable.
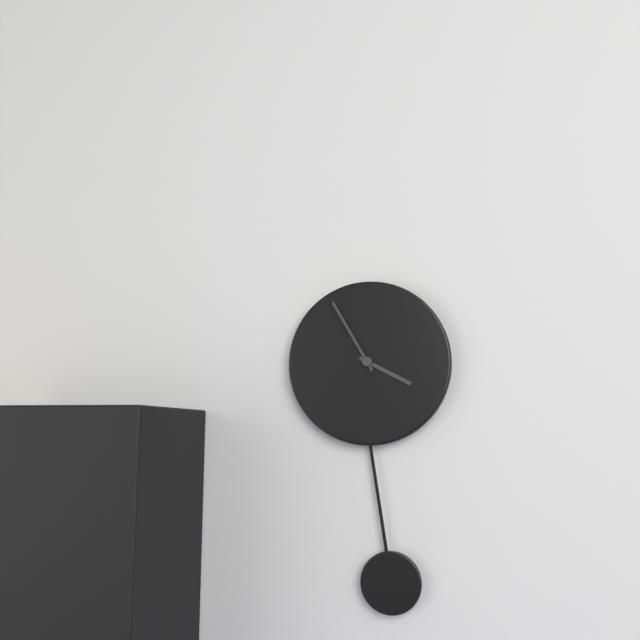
**3:55**
